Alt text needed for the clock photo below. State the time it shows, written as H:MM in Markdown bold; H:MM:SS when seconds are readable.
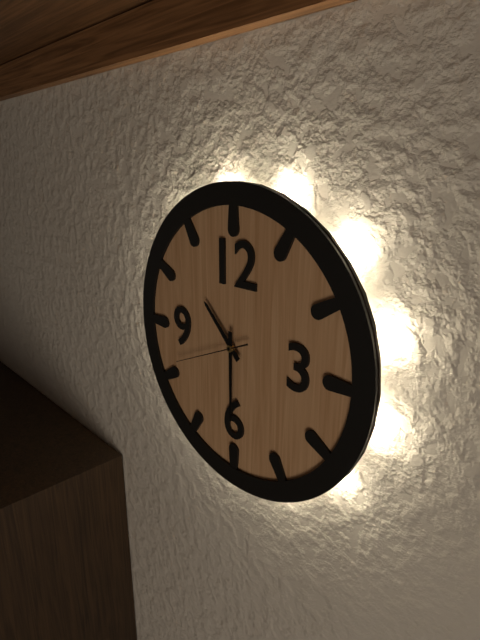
**10:30:41**
